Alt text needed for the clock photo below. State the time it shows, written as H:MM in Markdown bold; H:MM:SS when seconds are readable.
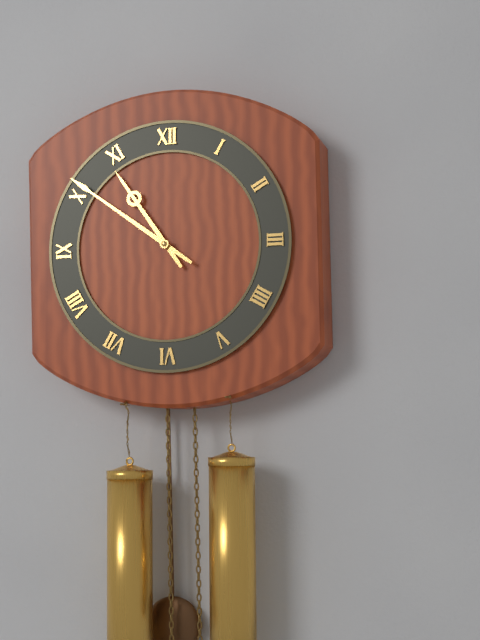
**10:51**
